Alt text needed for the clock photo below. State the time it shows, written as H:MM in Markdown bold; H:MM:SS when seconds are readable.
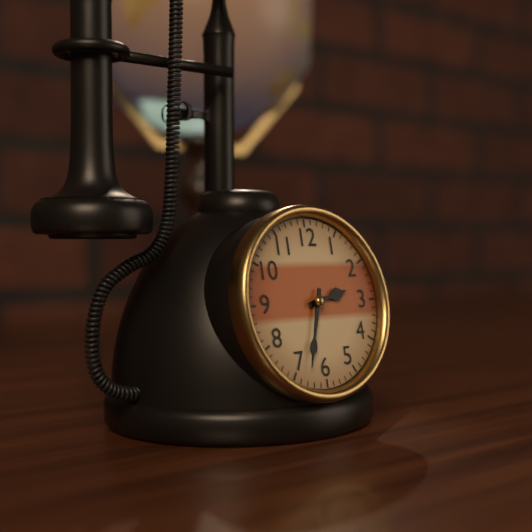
**2:33**
